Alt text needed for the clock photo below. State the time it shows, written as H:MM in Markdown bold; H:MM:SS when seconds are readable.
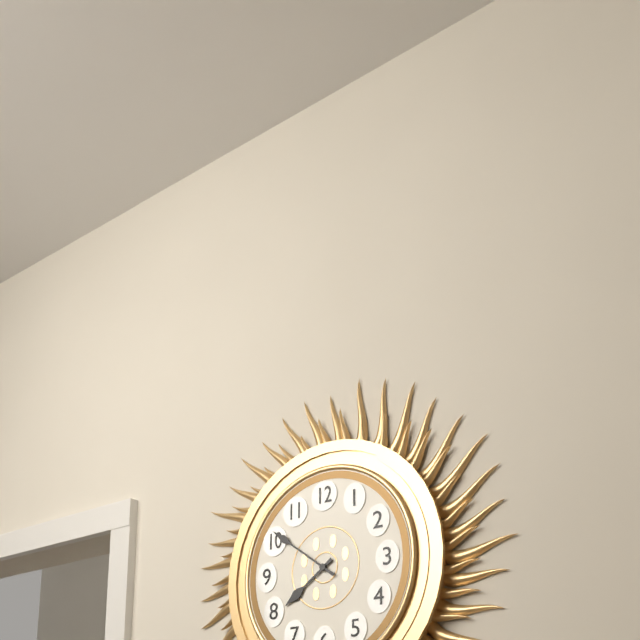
**7:51**
